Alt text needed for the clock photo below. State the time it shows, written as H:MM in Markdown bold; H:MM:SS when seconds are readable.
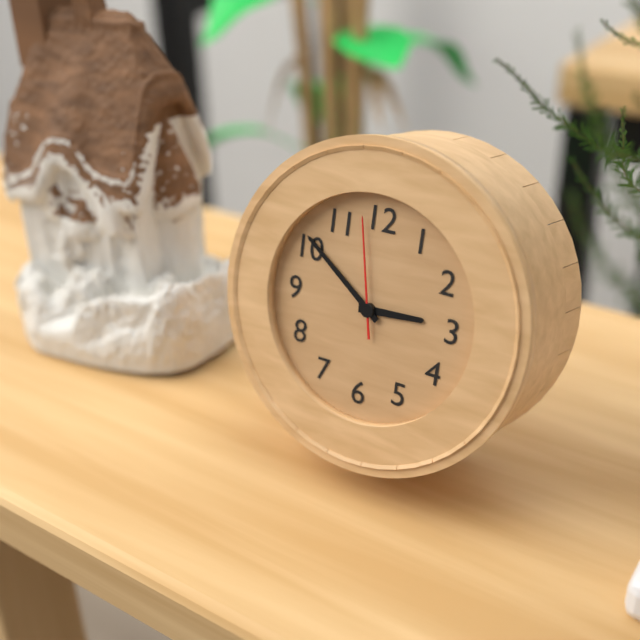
**2:51:58**
